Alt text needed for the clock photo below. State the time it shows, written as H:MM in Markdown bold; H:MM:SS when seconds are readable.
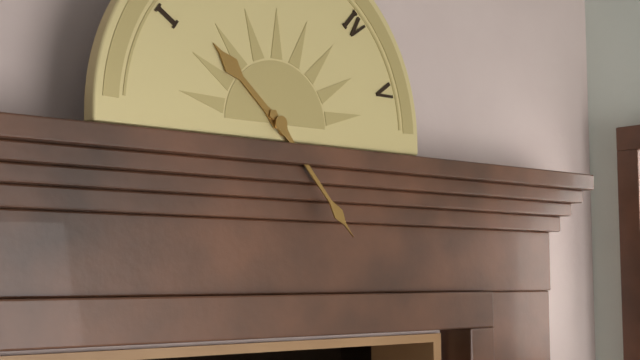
**10:23**
